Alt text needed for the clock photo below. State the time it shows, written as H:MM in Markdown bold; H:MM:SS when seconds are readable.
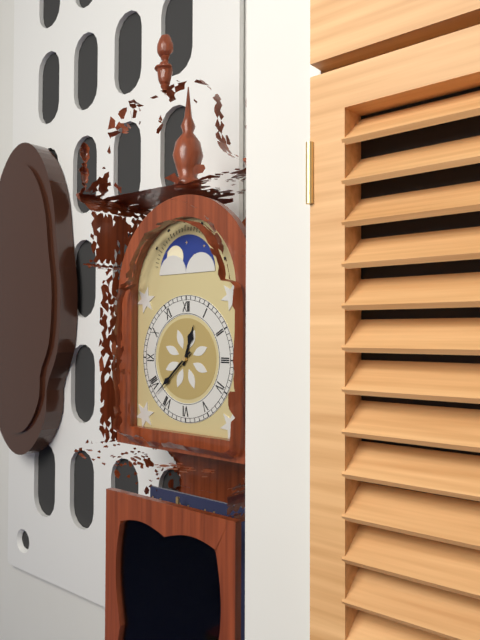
**12:38**
